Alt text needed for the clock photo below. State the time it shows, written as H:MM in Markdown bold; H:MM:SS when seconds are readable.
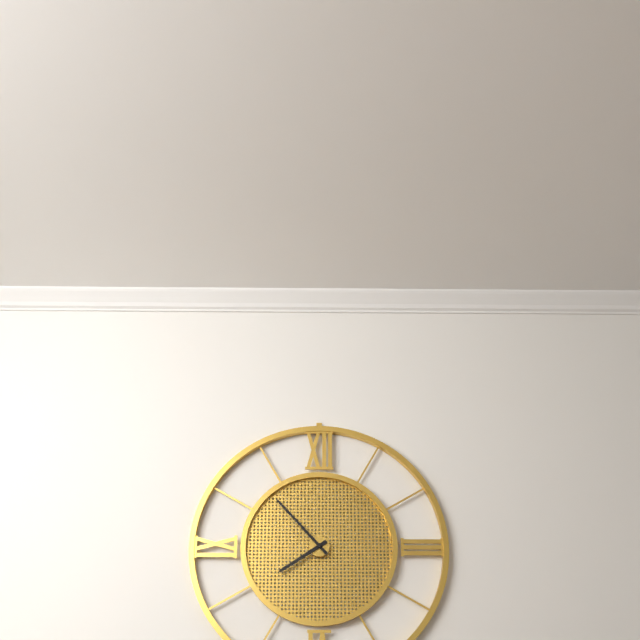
**7:53**
